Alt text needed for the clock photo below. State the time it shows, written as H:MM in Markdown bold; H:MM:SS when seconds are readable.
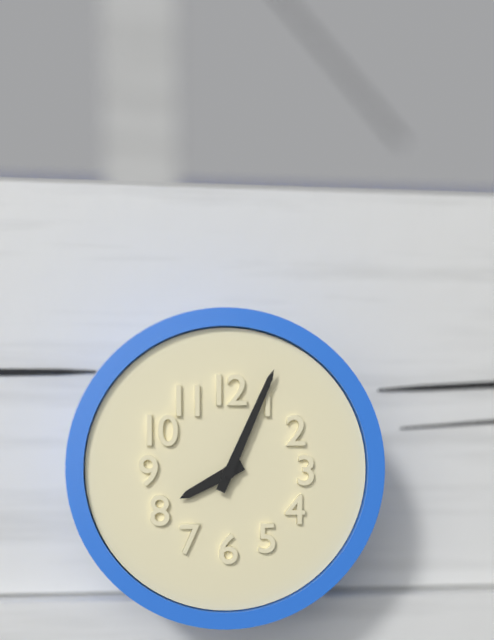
**8:04**
